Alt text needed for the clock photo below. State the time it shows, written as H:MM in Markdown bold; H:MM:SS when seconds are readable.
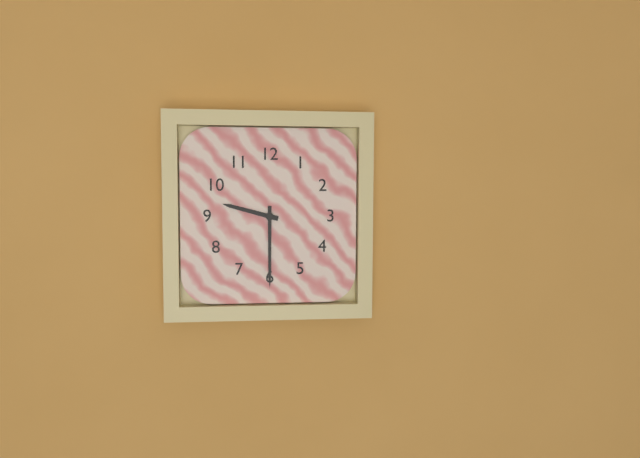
**9:30**
